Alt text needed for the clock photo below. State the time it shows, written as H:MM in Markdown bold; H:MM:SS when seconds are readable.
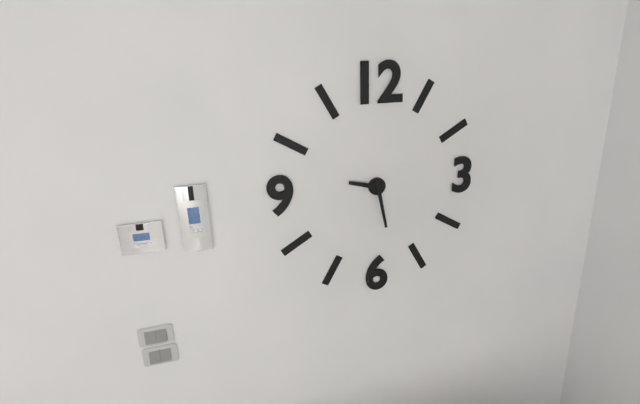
**9:28**
